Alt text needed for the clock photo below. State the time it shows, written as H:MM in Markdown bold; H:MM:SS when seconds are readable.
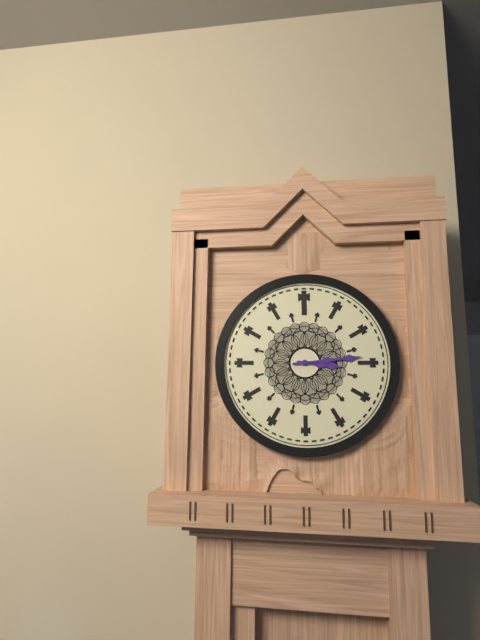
**3:14**
